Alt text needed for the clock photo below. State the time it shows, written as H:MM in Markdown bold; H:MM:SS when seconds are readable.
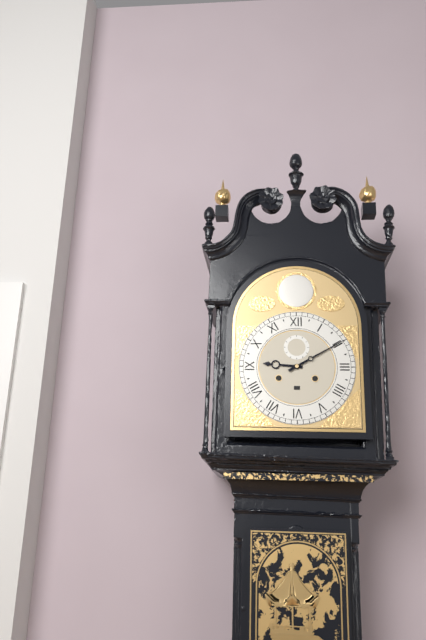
**9:10**
